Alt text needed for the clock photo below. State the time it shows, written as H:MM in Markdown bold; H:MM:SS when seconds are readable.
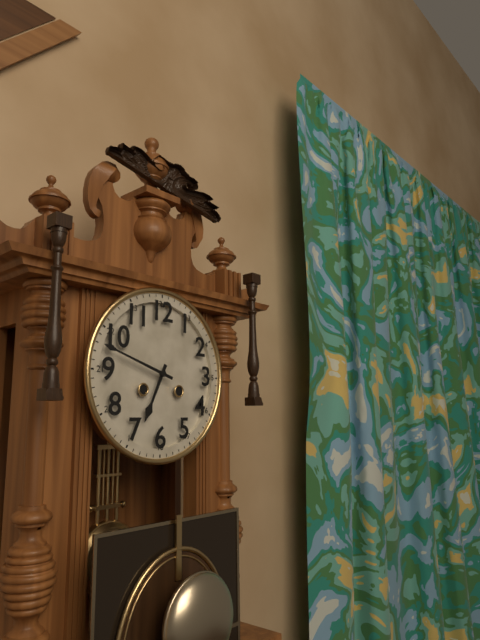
**6:48**
